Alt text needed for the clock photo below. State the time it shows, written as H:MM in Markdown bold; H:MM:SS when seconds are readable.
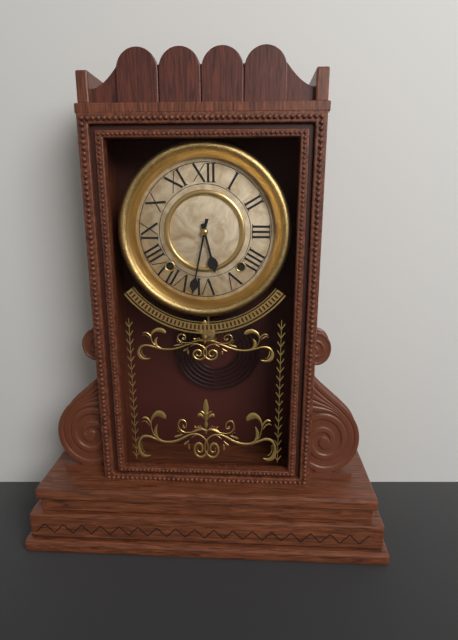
**5:32**
